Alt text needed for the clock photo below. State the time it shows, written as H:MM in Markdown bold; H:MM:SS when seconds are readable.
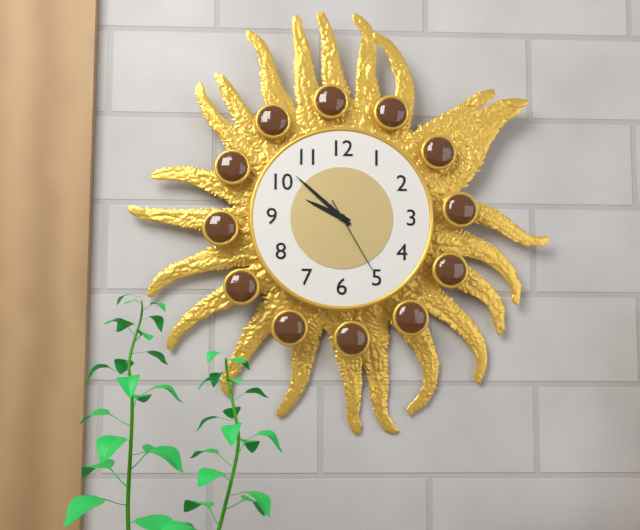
**9:52:25**
